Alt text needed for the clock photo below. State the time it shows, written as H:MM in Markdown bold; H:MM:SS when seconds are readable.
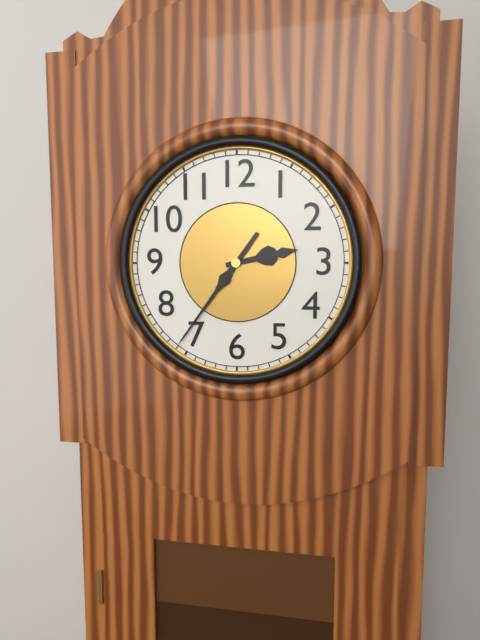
**2:36**
